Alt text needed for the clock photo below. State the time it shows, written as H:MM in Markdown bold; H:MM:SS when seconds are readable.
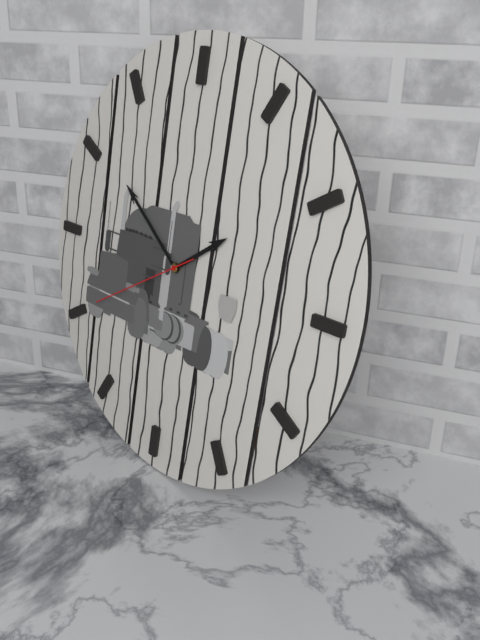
**1:51:40**
